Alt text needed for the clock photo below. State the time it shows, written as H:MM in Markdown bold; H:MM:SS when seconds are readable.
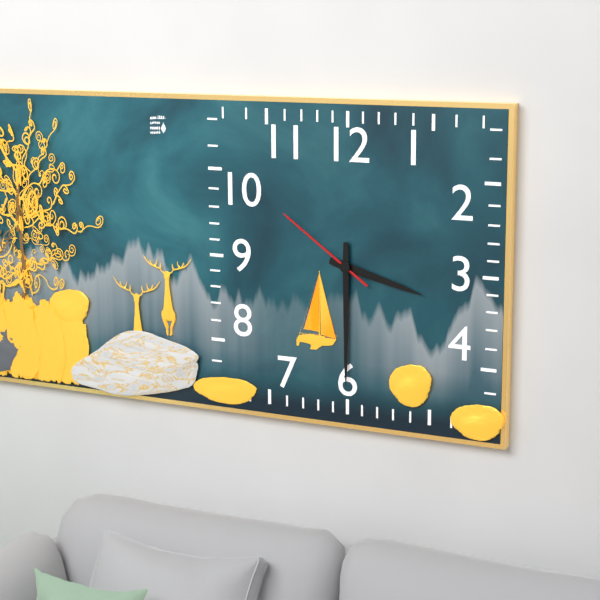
**3:30:51**
